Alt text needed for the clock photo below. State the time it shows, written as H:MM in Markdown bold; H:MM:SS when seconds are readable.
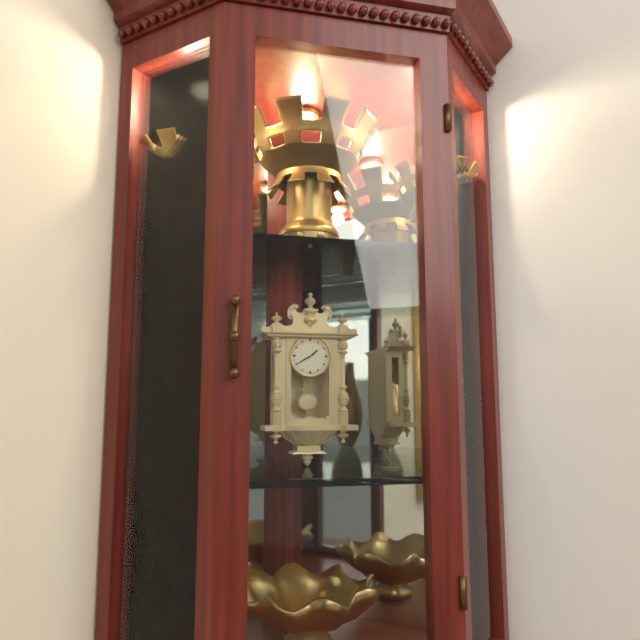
**1:40**
